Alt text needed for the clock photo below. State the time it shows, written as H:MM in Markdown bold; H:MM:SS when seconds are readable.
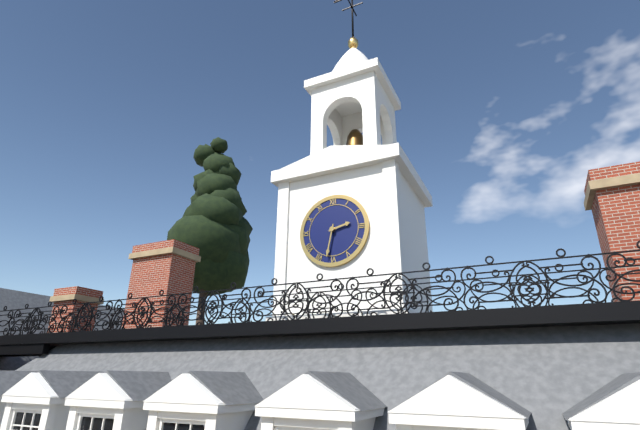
**2:32**
